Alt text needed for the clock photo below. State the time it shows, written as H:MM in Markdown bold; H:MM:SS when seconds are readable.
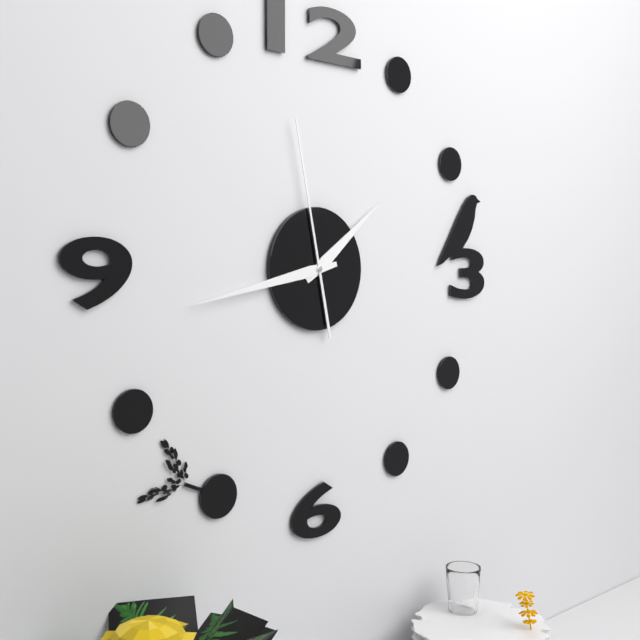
**1:43:58**
